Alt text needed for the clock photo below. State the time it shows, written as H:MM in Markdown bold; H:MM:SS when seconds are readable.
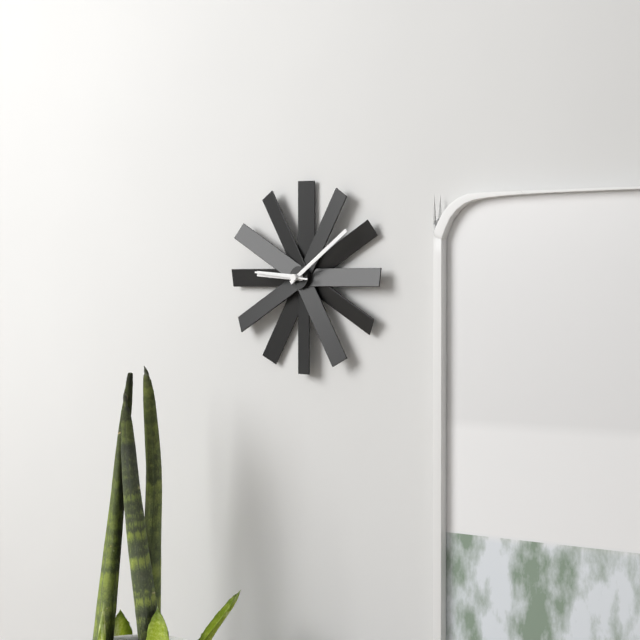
**9:09:46**
